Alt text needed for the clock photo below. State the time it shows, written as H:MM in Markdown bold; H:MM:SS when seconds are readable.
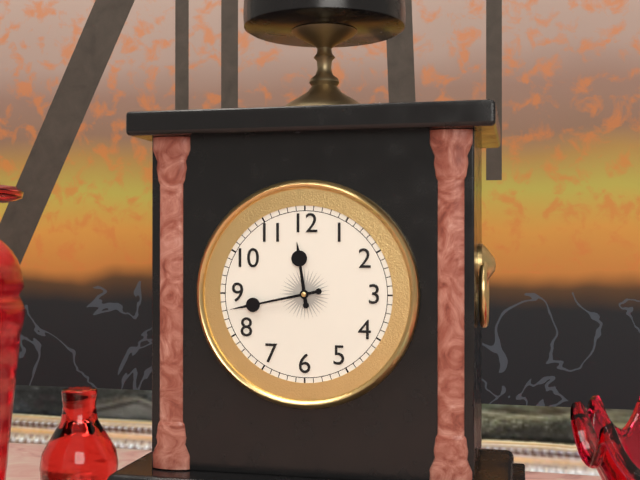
**11:43**
